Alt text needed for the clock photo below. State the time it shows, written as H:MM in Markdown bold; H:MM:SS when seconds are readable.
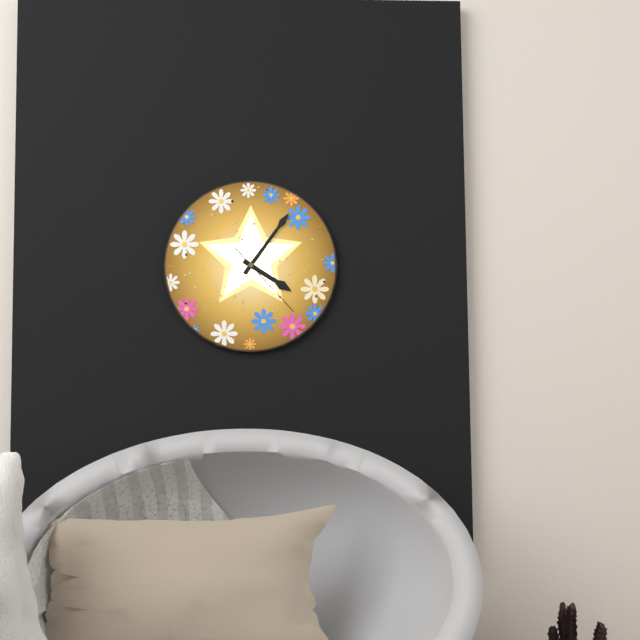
**4:06:23**
